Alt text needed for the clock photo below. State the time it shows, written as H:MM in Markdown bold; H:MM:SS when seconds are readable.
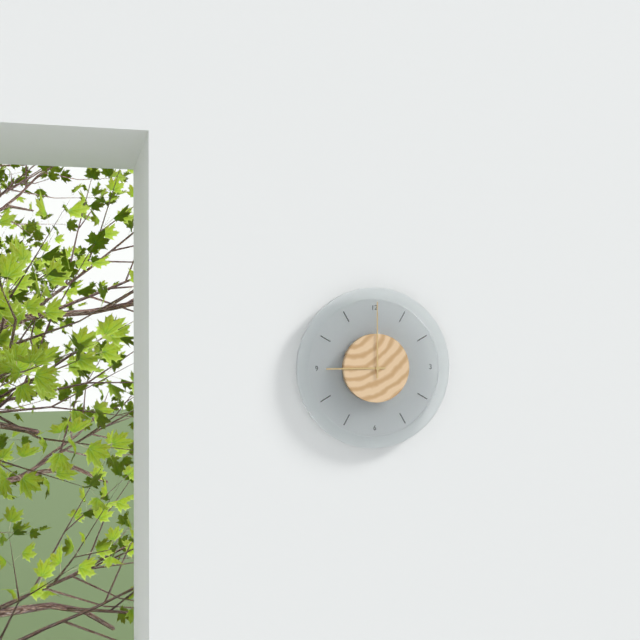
**9:00**
